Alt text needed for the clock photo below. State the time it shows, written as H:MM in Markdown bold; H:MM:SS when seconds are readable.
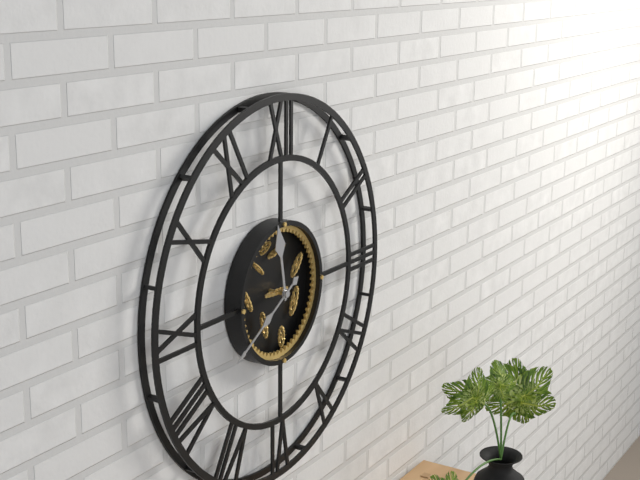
**11:40**
